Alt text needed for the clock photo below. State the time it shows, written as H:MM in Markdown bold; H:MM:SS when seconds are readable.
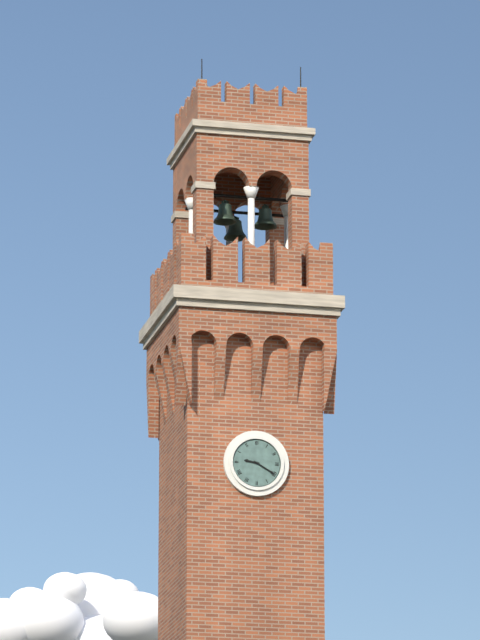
**9:20**
